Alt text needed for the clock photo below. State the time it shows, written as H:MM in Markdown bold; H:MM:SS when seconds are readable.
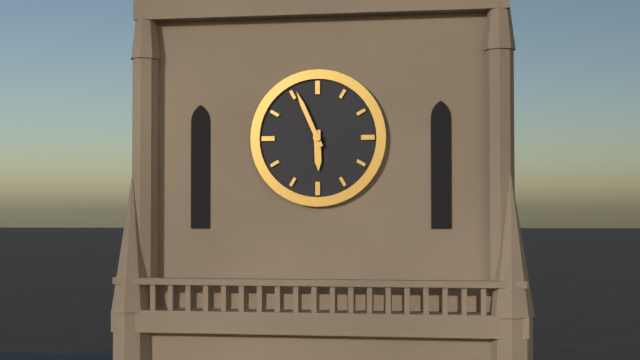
**5:56**
